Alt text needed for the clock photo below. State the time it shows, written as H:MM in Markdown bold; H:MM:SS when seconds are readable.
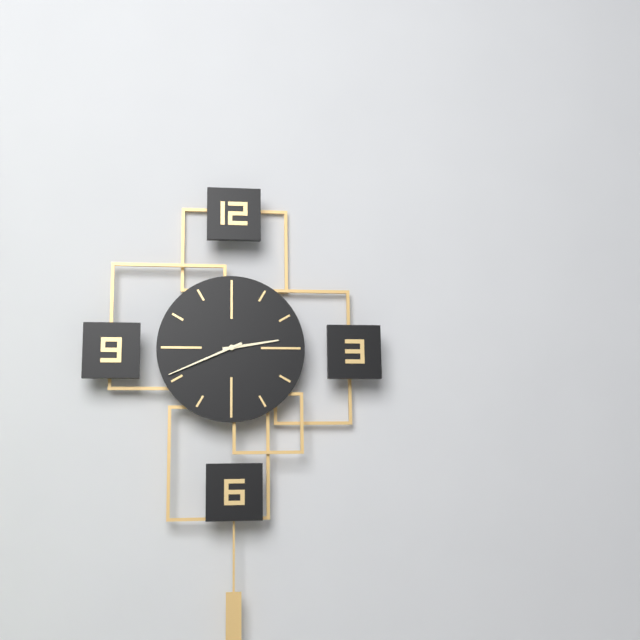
**2:41**
